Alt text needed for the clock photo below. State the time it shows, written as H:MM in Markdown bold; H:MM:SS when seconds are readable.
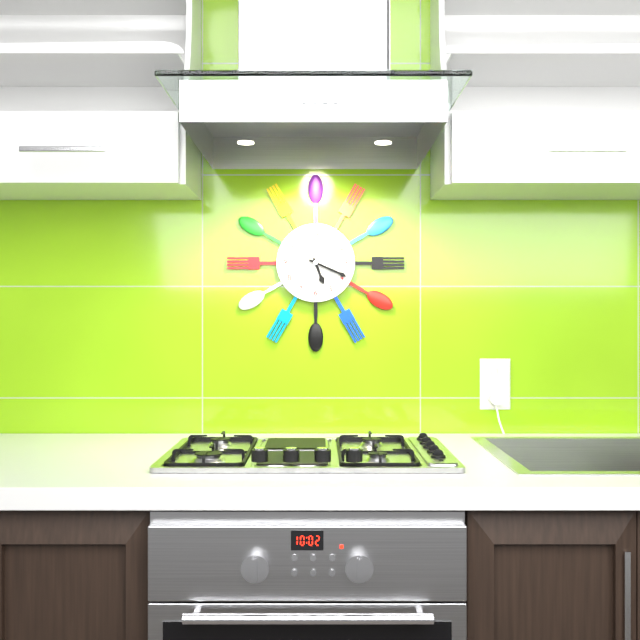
**5:19**
